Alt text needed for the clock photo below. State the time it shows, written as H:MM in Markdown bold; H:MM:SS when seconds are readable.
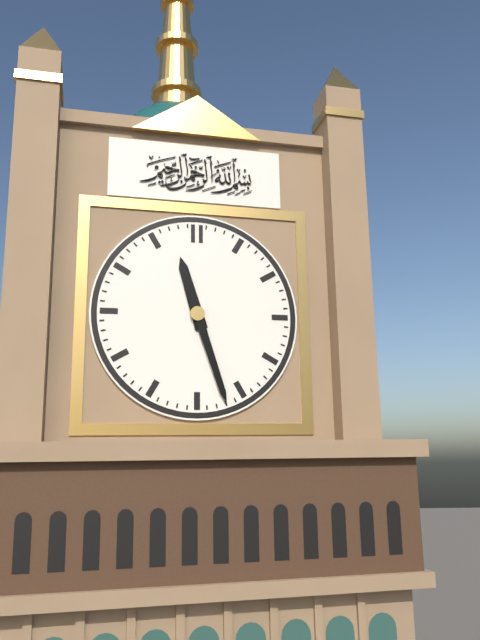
**11:27**
